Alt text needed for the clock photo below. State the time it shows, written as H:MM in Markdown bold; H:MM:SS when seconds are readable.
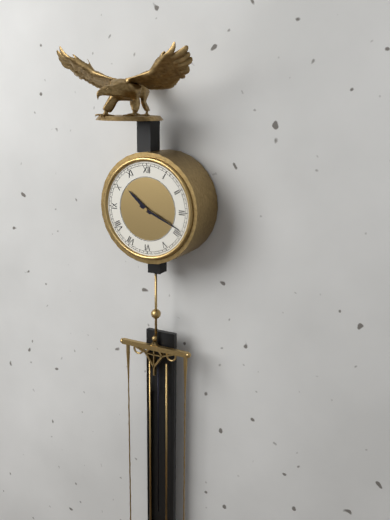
**10:19**
